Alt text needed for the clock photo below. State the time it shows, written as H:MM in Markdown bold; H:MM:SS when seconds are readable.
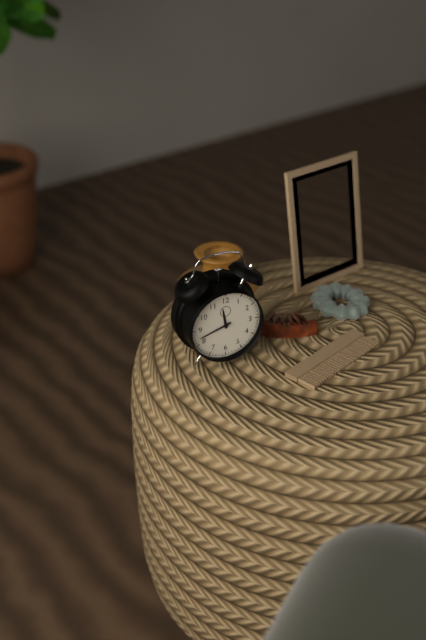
**11:42**
